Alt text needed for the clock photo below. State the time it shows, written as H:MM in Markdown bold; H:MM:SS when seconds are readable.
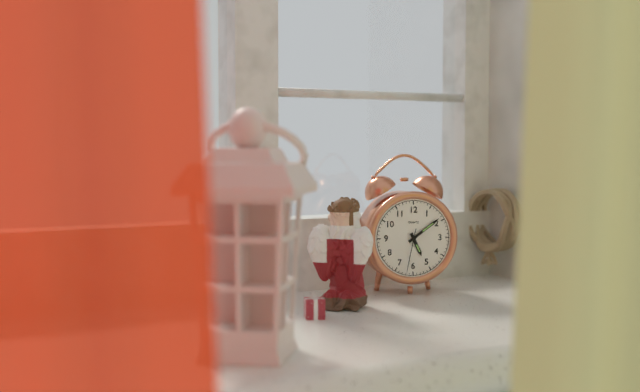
**5:09**
